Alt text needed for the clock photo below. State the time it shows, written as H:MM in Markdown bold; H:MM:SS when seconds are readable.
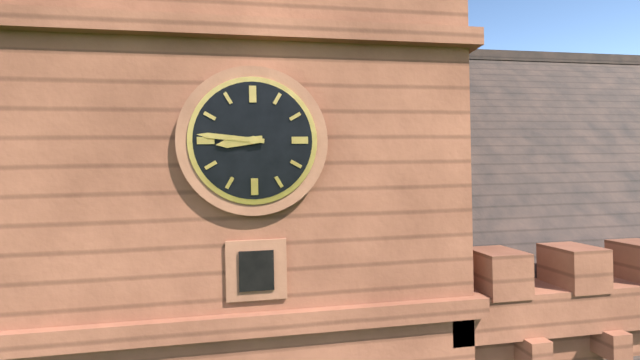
**8:46**
